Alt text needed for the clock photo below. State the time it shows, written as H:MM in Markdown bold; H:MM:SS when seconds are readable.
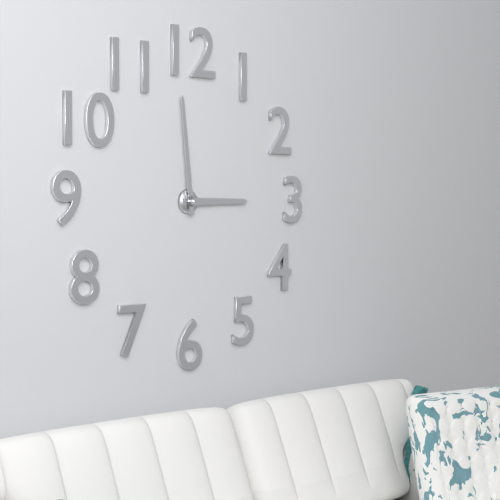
**2:59**
